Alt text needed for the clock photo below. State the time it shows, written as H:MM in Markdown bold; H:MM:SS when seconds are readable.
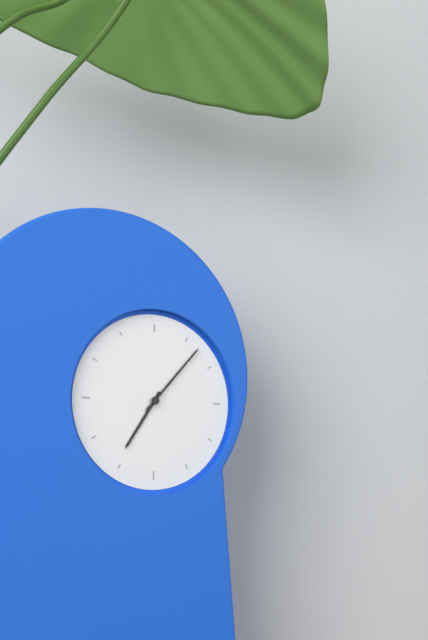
**7:07**
